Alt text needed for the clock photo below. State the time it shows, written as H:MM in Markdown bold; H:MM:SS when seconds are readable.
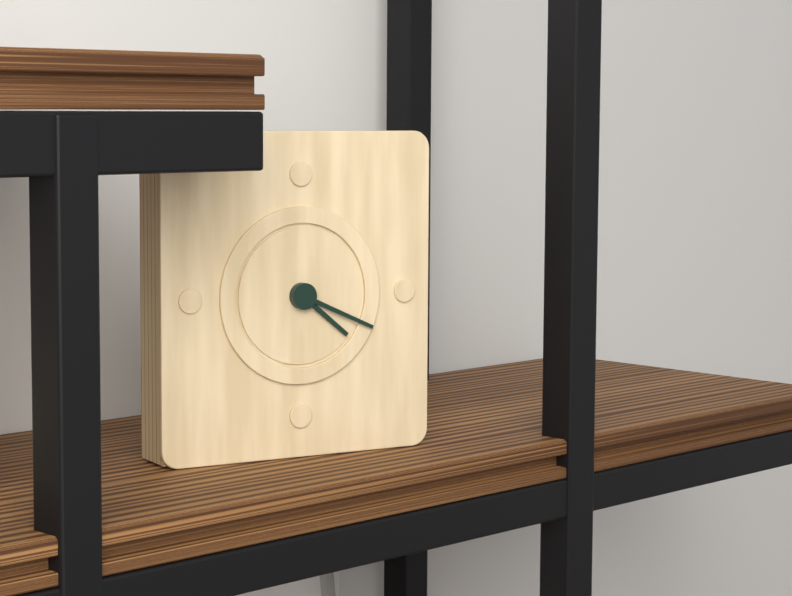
**4:19**
